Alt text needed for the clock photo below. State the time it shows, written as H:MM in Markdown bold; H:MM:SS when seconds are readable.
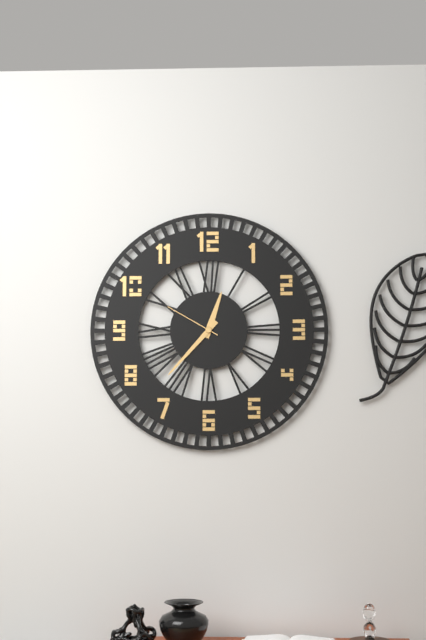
**12:37:50**
